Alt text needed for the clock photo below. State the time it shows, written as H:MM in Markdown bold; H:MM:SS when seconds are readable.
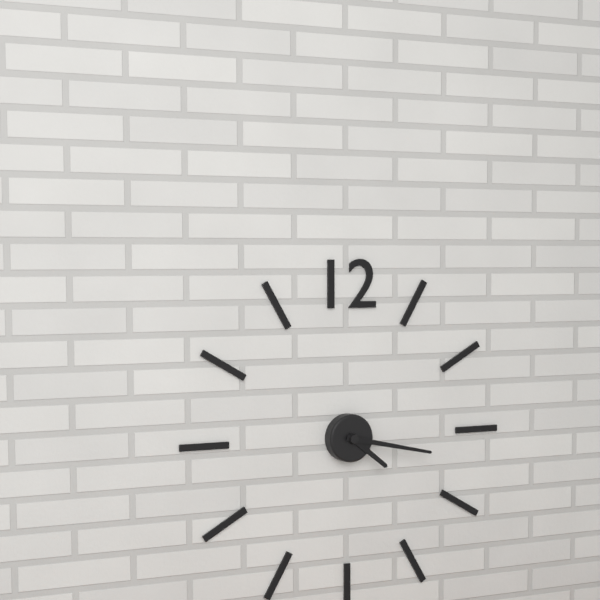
**4:17**
